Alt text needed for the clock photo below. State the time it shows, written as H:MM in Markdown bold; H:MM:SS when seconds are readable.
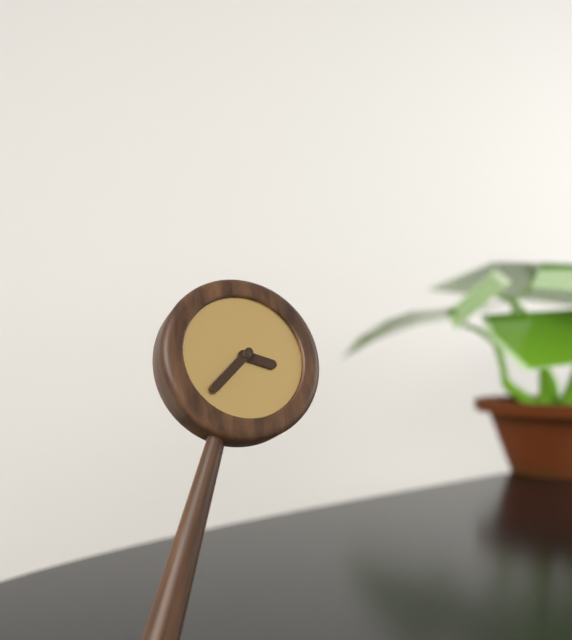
**3:38**
